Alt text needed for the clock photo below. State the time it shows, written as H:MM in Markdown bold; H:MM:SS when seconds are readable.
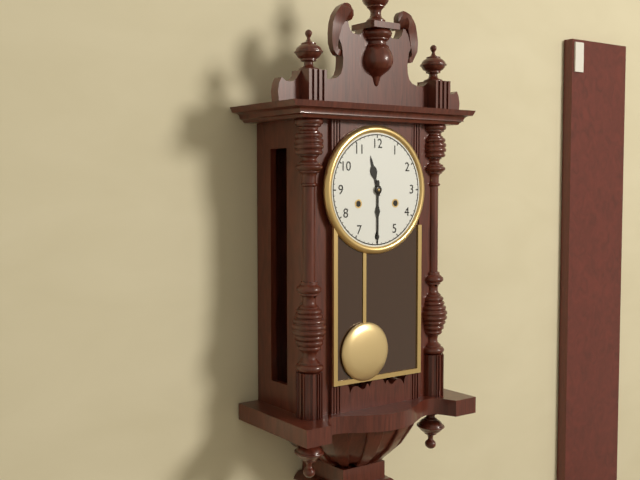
**11:30**
